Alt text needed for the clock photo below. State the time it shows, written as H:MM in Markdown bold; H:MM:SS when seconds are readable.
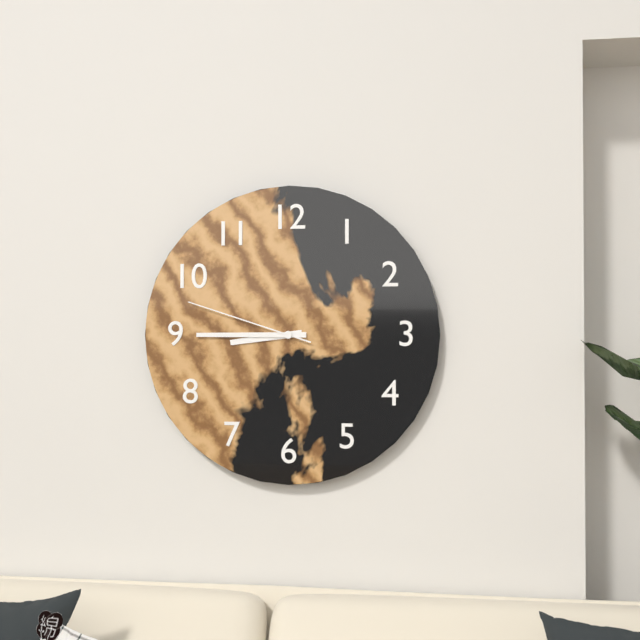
**8:45:48**
